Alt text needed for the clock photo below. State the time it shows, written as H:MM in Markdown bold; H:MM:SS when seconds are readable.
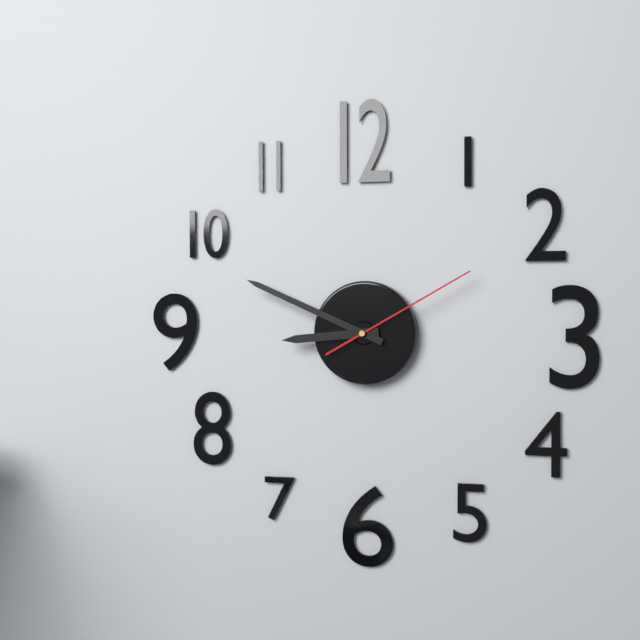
**8:49:10**
